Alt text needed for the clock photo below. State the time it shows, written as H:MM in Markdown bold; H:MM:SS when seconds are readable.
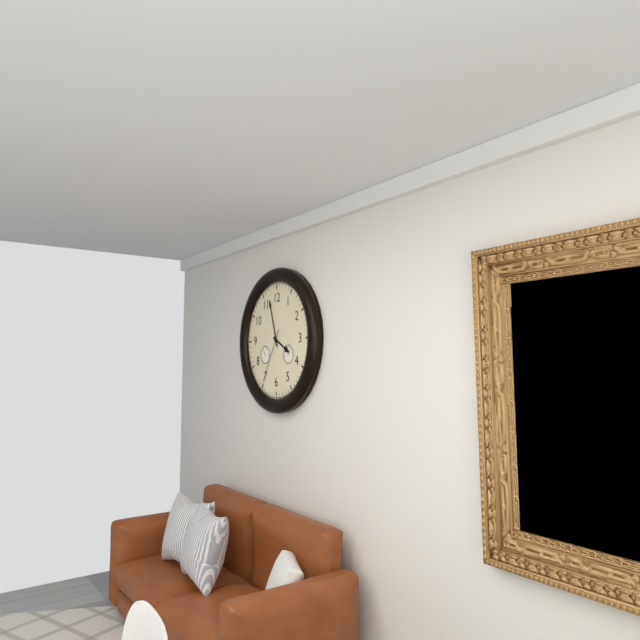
**3:57:35**
